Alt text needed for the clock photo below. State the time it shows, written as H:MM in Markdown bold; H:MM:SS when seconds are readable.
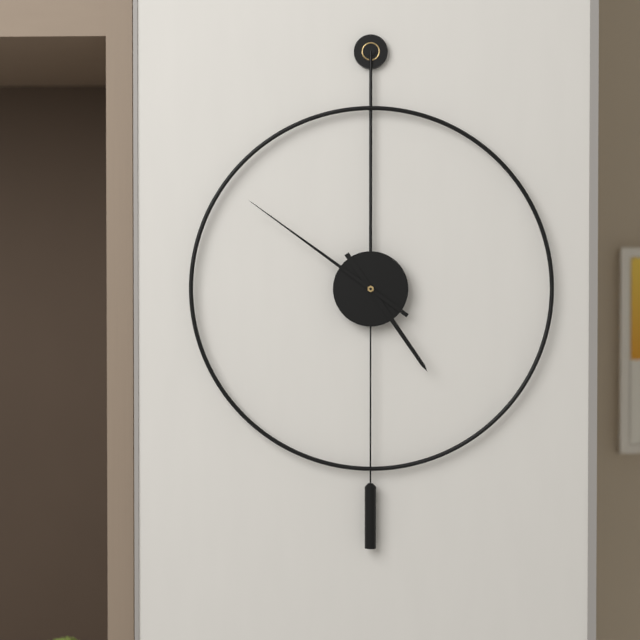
**4:51**
